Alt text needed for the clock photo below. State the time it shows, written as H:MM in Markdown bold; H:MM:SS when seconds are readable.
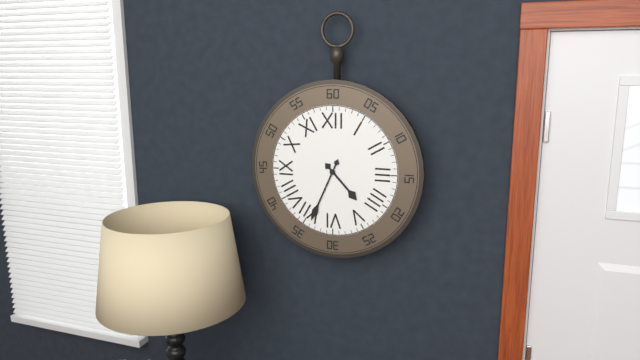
**4:34**
